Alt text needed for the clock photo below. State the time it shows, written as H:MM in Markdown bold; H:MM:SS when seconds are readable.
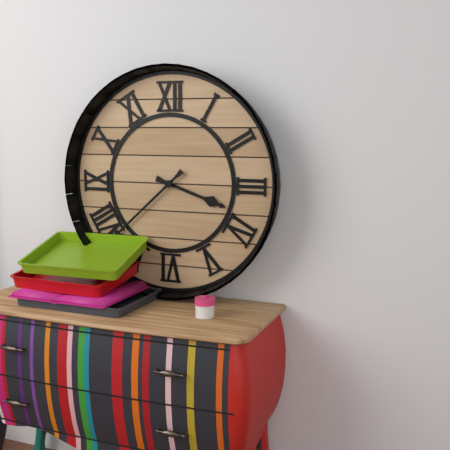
**3:38**
